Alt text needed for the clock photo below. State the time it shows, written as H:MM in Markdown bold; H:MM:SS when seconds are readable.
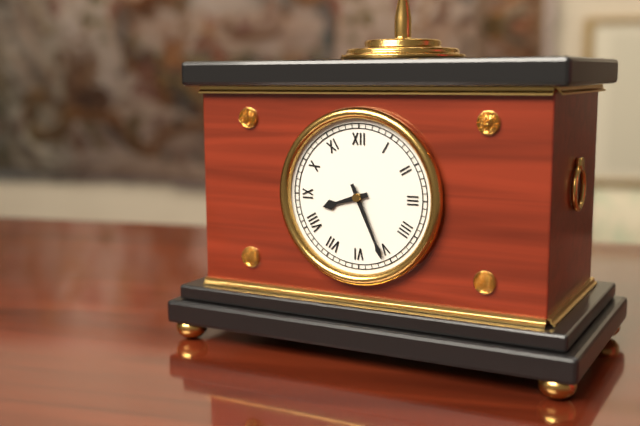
**8:26**
